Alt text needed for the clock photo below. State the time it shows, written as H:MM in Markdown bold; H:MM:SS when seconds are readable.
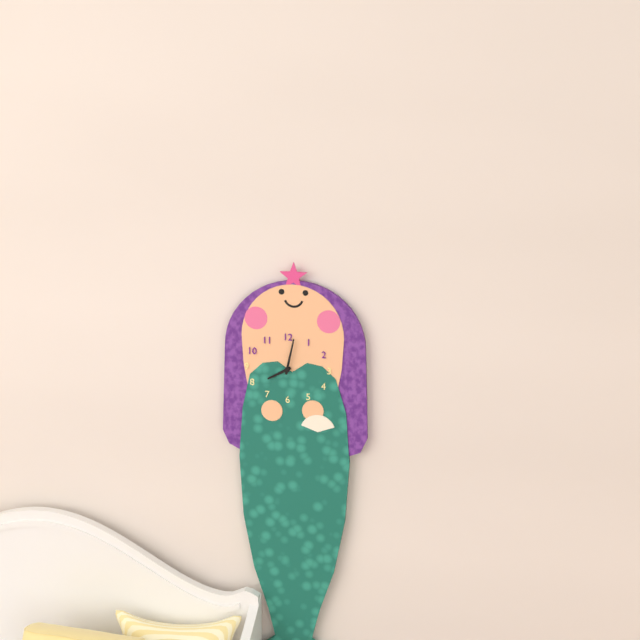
**8:02**
